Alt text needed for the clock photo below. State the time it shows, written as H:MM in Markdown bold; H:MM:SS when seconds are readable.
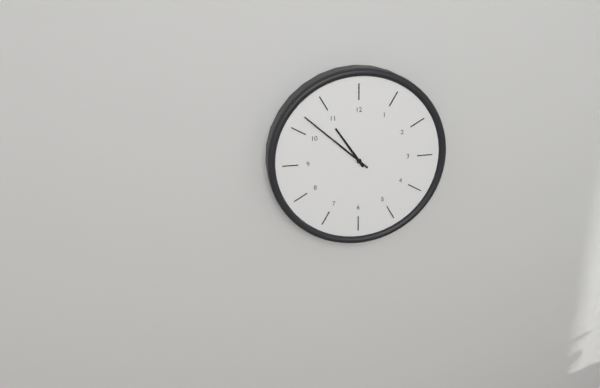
**10:52**
